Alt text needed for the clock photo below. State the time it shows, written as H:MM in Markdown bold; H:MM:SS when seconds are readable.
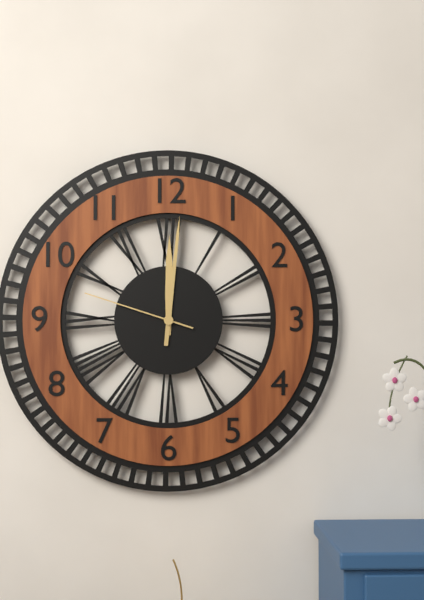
**12:01:48**
